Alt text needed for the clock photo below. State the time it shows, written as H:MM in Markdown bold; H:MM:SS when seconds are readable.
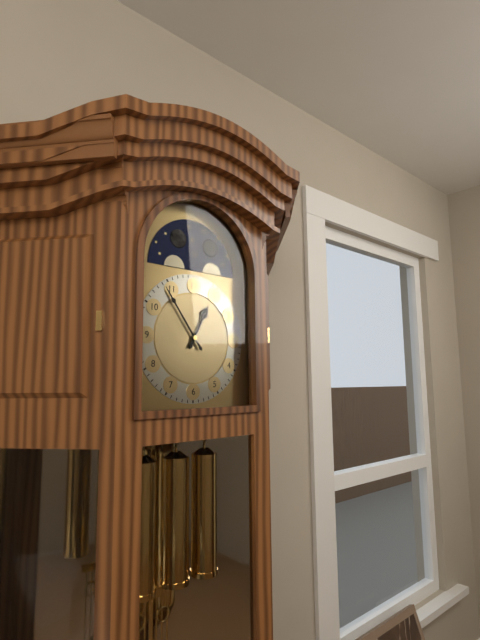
**12:54**
